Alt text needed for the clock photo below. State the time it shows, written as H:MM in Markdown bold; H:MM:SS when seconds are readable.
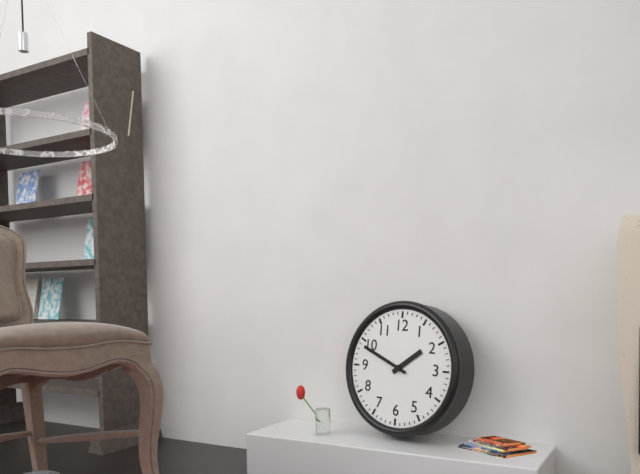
**1:49**
